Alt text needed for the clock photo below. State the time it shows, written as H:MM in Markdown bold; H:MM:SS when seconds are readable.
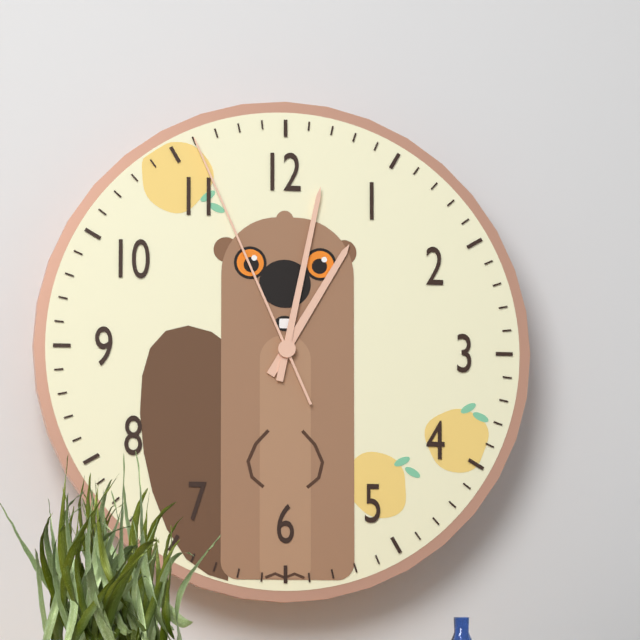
**1:02:56**
